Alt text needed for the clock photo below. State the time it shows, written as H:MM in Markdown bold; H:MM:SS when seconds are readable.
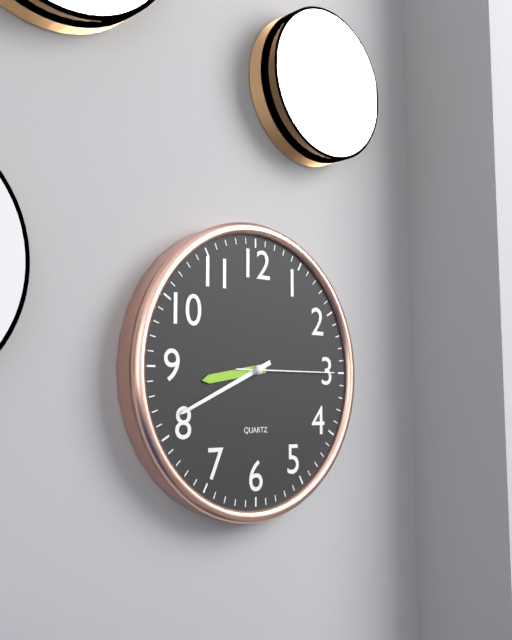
**8:41:15**
